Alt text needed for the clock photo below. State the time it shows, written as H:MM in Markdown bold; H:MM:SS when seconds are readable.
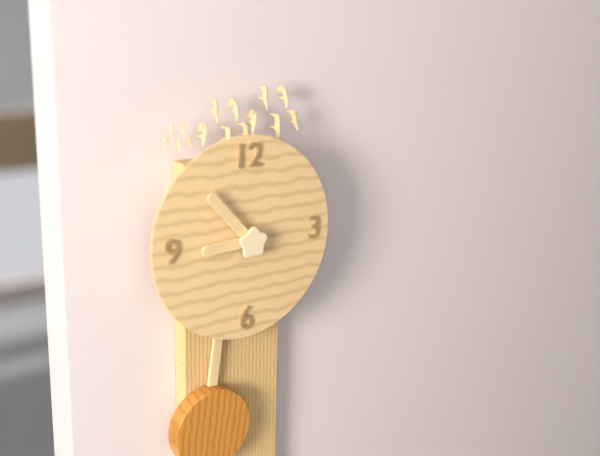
**8:53**
